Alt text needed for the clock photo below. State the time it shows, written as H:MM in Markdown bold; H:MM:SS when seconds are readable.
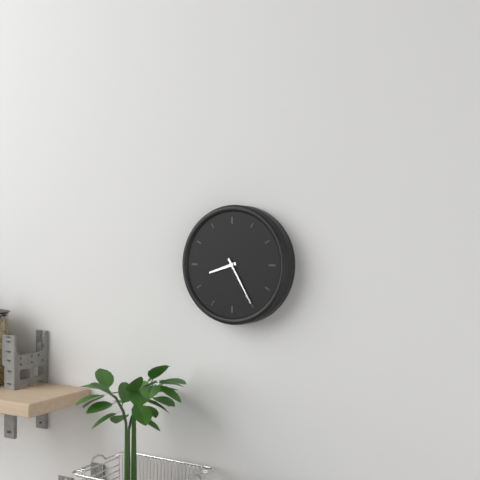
**8:25**
